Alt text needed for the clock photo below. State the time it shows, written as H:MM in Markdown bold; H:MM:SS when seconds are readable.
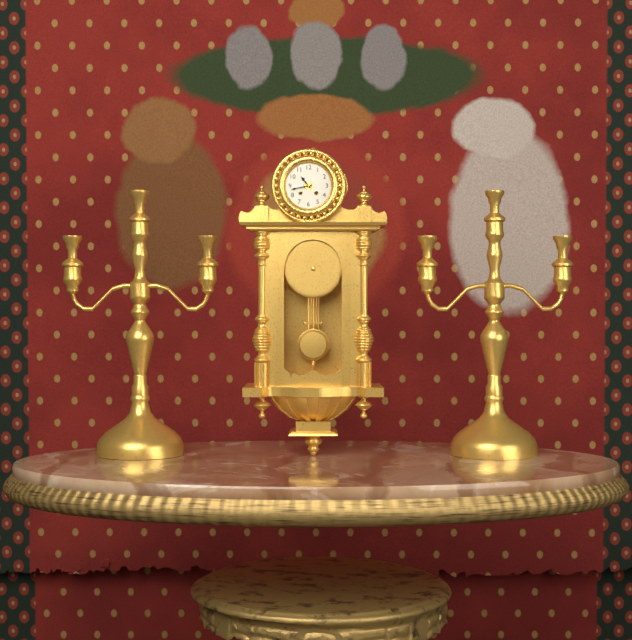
**10:43**
